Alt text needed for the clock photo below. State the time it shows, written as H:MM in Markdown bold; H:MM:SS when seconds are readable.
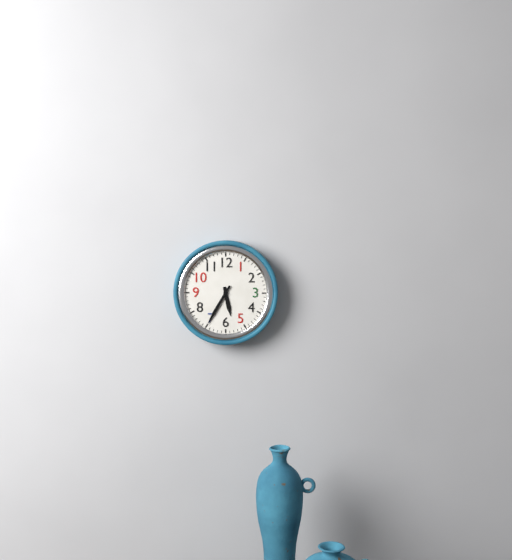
**5:35**
